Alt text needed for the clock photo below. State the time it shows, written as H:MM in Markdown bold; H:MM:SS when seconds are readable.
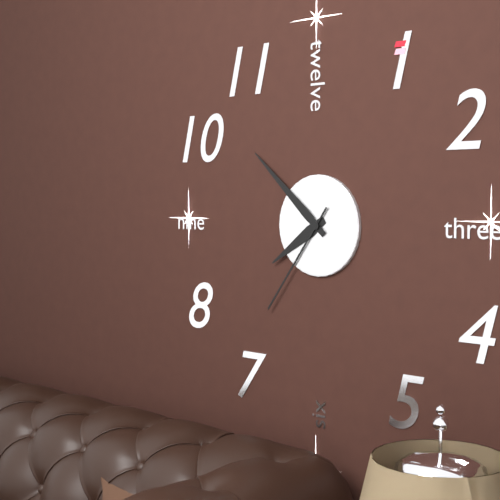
**7:52:36**
